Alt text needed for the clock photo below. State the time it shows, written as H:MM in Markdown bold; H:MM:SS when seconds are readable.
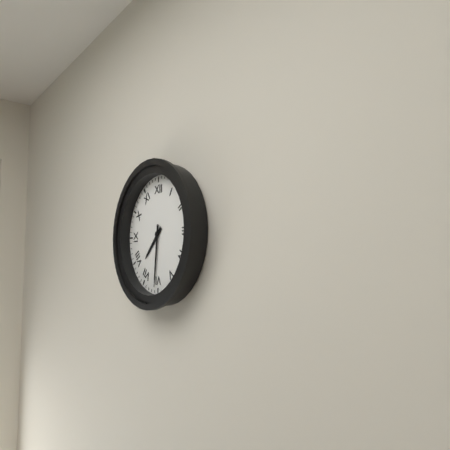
**7:31**
